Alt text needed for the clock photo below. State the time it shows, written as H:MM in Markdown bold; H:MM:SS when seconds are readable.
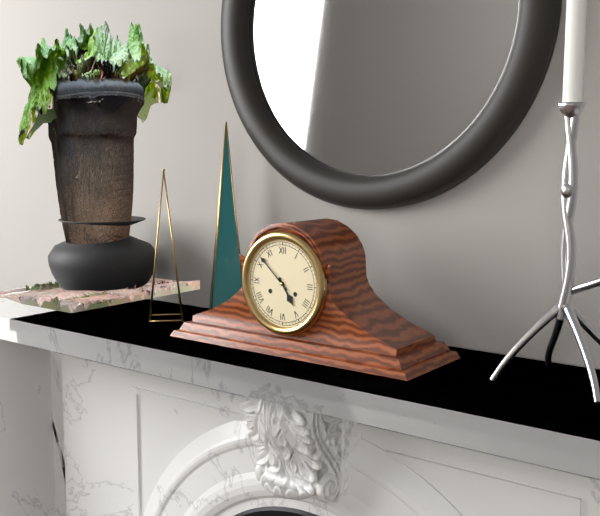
**4:52**
